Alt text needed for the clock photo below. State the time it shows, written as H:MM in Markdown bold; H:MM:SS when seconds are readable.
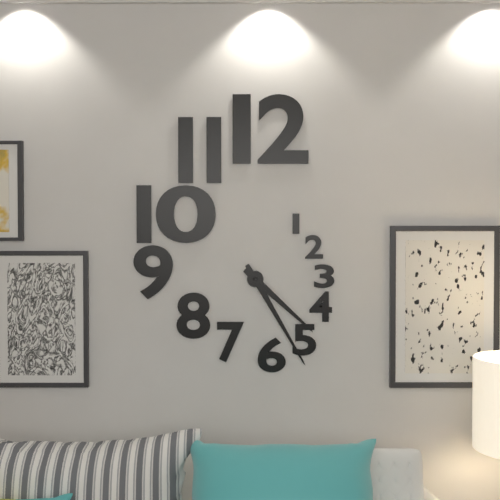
**4:25**
